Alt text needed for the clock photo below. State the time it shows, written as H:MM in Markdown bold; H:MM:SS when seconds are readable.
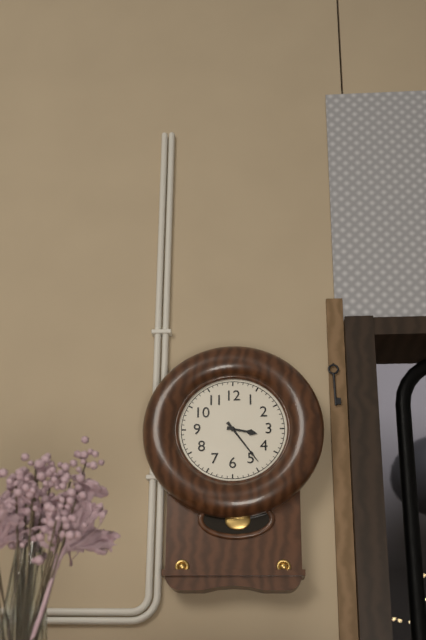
**3:24**
